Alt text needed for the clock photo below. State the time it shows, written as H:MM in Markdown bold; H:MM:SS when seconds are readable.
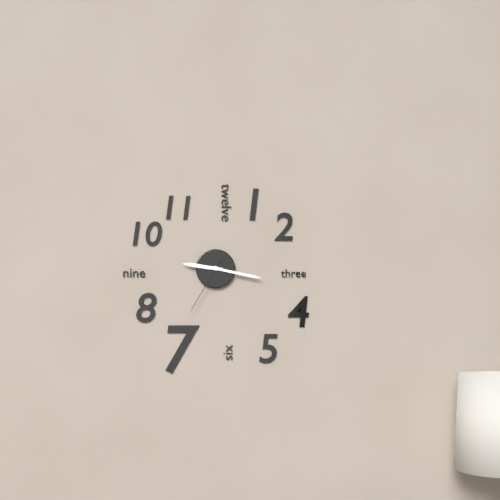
**9:17:35**
